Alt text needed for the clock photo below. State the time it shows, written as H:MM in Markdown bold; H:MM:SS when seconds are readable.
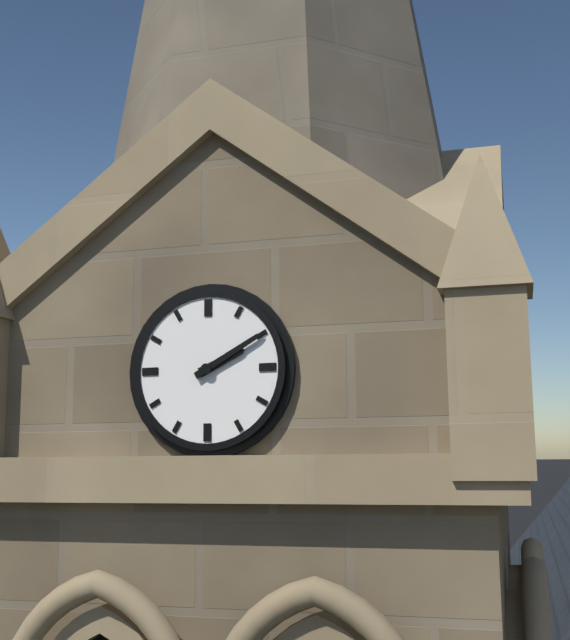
**2:10**
